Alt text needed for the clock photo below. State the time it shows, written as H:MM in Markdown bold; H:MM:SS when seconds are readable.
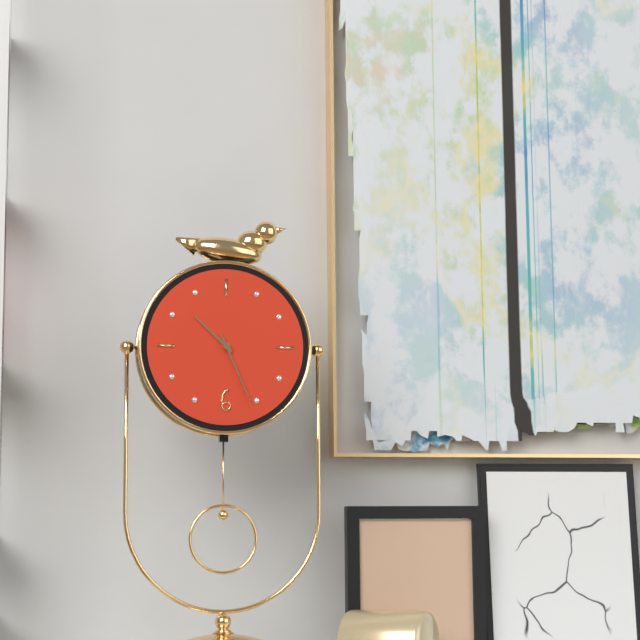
**10:26:26**
